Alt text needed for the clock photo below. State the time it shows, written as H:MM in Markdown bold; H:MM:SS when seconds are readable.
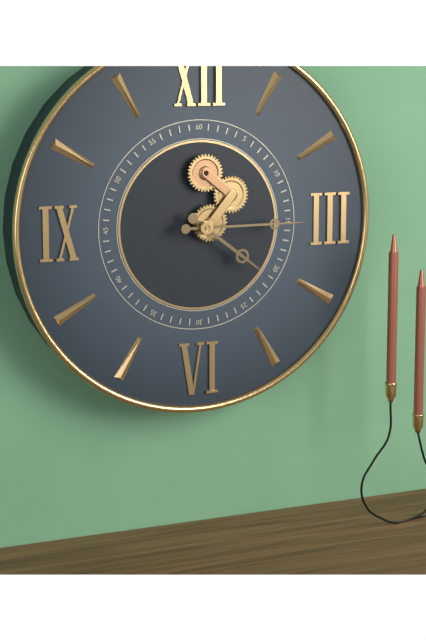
**4:15**
